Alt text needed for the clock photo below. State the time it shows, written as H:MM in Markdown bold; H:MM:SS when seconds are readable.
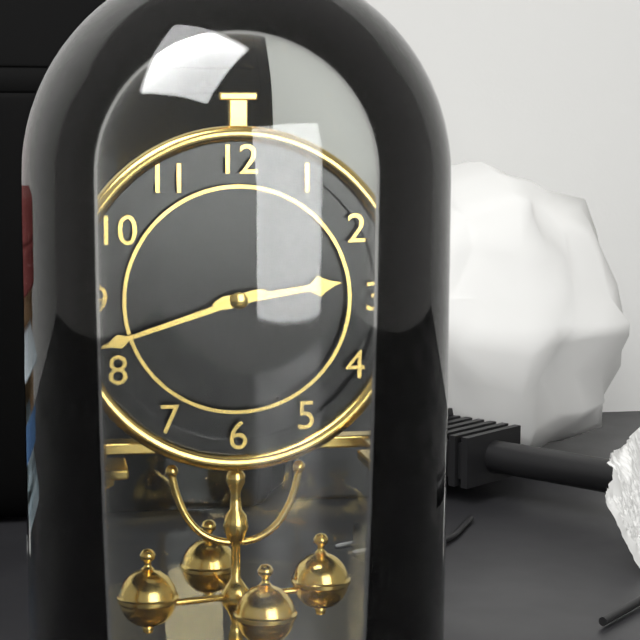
**2:42**
